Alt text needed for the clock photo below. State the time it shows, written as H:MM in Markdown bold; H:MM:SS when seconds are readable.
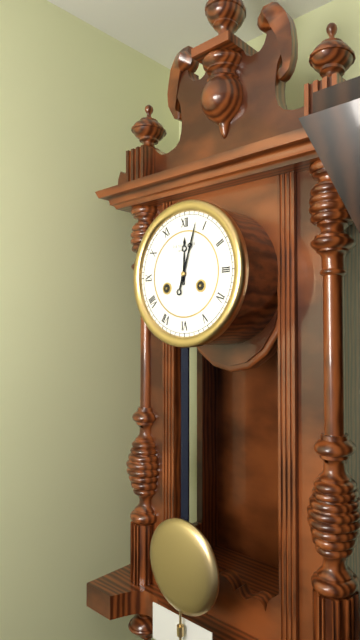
**12:03**
